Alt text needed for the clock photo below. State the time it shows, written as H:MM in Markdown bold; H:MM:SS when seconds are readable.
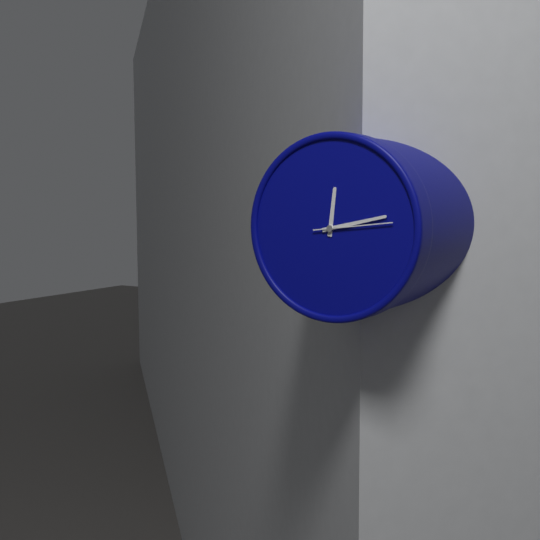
**12:13:14**
